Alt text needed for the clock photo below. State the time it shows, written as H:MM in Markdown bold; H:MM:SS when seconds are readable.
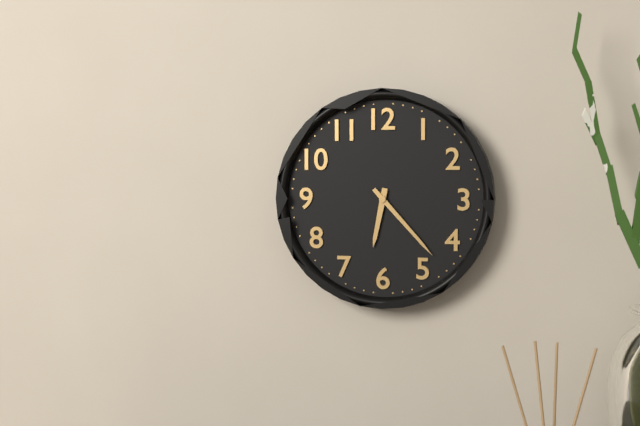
**6:23**
